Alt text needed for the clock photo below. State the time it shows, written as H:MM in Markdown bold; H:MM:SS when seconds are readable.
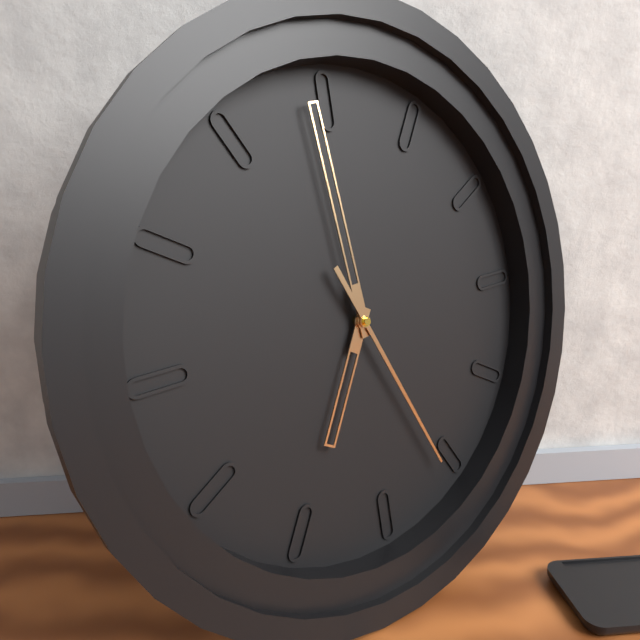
**6:59:26**
